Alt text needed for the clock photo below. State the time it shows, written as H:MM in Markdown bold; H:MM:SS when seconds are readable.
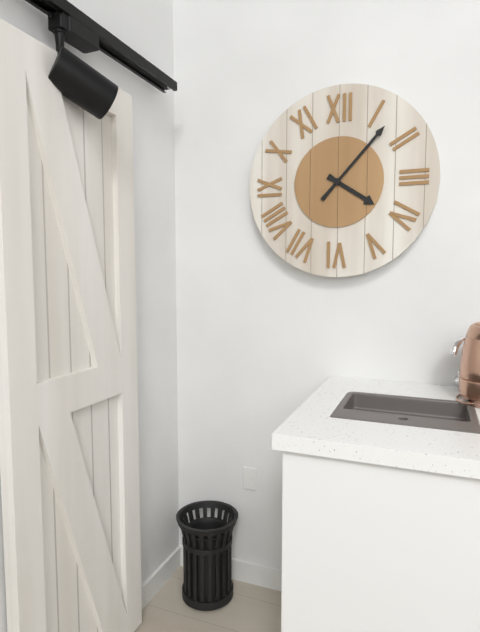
**4:07**
